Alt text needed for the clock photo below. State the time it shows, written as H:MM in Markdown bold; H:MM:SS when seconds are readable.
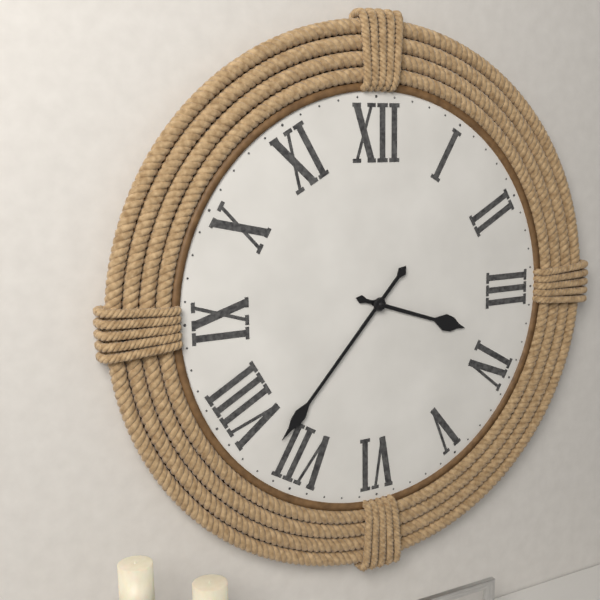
**3:37**
